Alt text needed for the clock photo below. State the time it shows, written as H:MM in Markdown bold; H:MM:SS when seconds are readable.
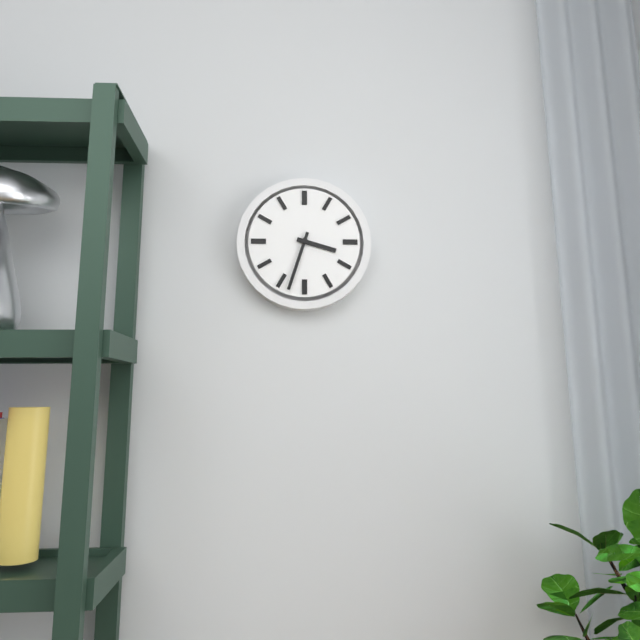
**3:33**
